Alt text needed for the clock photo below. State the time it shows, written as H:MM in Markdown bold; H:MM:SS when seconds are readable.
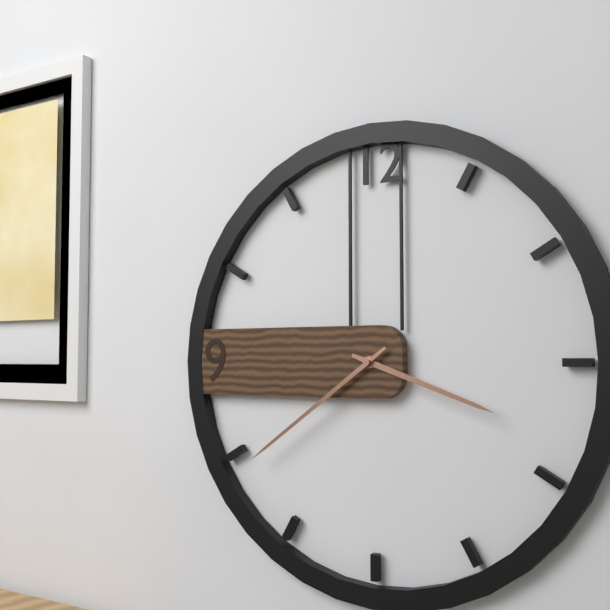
**3:39**
